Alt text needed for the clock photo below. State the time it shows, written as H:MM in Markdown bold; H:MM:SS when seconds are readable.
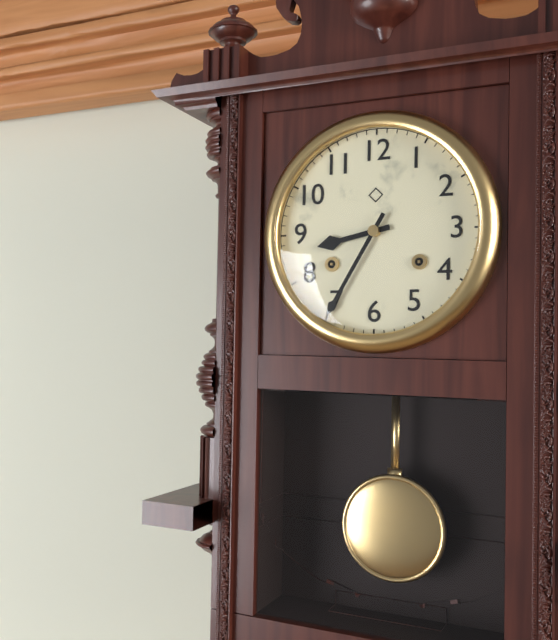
**8:35**
